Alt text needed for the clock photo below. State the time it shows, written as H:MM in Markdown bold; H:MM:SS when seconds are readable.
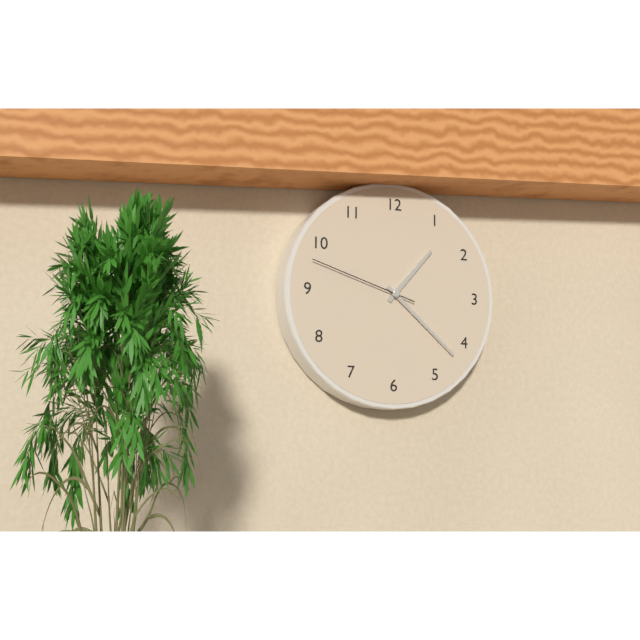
**1:22:48**
